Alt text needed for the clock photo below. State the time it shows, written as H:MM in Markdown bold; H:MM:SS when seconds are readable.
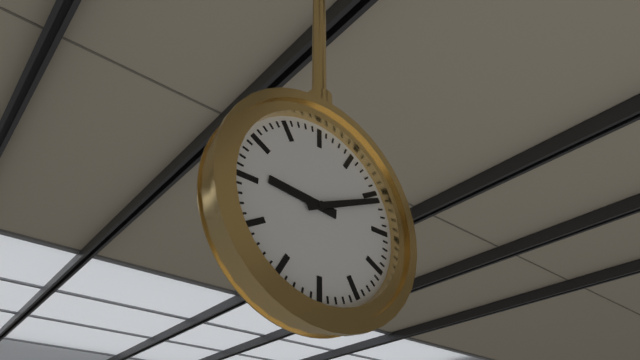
**9:11**
